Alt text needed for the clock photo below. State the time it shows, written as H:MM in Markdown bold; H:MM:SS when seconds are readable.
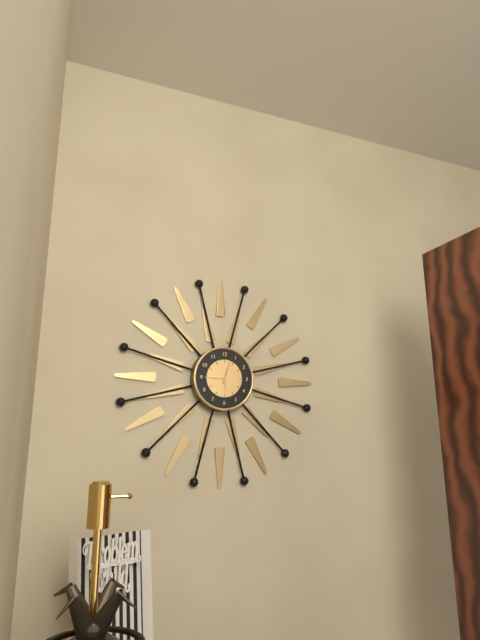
**5:45**
